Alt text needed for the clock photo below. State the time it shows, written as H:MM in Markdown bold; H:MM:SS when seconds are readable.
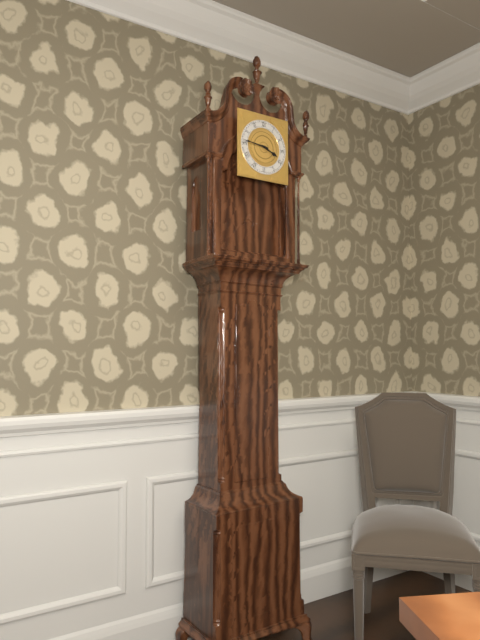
**3:46**
